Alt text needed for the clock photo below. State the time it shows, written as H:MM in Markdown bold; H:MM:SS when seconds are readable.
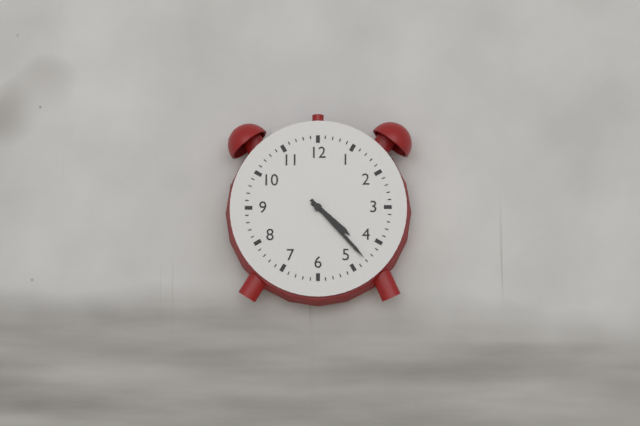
**4:23**
